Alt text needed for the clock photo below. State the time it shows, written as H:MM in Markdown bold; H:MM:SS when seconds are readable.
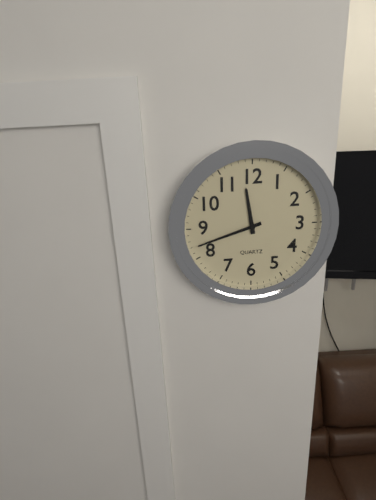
**11:42**
